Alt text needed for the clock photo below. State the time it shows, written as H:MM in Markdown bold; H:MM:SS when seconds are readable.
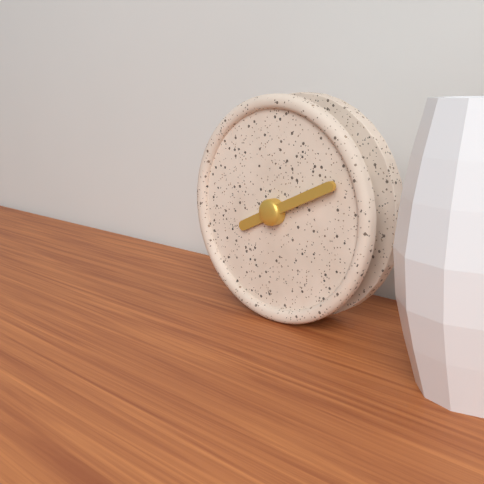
**8:11**
